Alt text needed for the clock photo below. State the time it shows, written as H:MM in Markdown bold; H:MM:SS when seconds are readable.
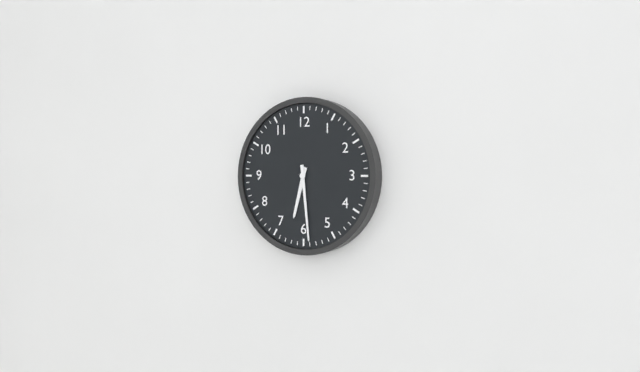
**6:29**
